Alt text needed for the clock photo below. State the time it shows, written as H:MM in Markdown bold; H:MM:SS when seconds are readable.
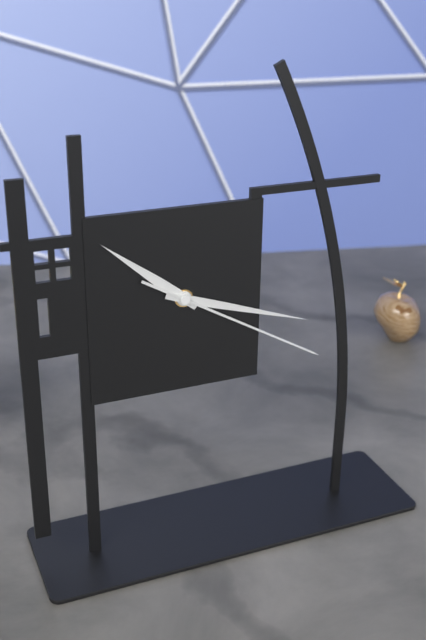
**10:18:20**
